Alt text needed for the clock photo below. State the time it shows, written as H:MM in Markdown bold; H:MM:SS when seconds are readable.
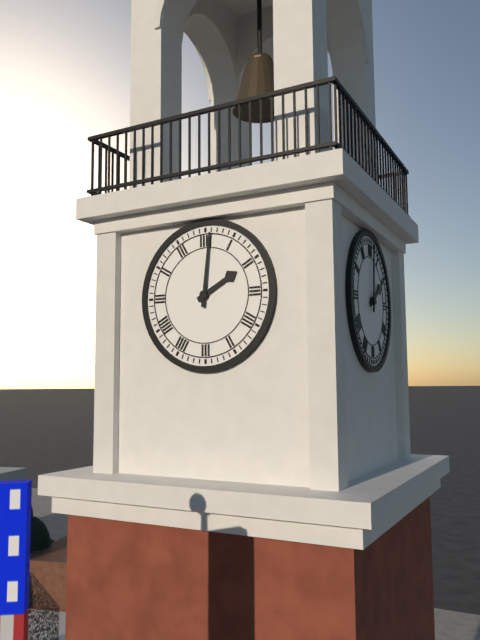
**2:01**
